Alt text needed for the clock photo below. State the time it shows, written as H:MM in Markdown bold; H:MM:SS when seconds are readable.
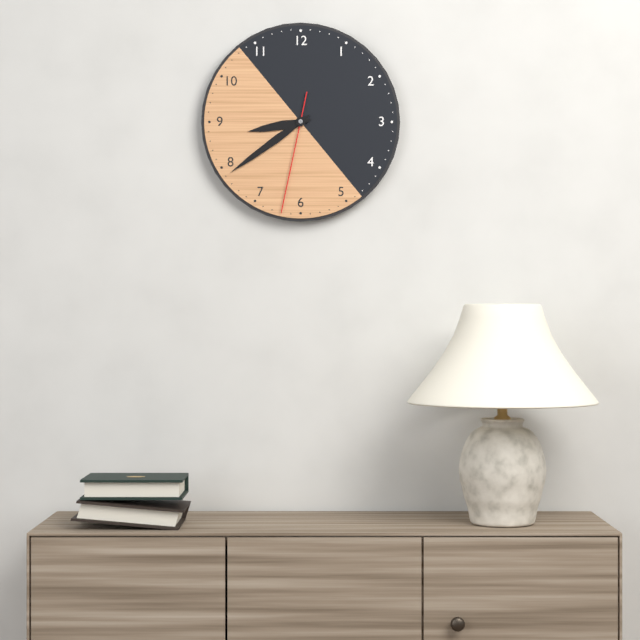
**8:39:32**
